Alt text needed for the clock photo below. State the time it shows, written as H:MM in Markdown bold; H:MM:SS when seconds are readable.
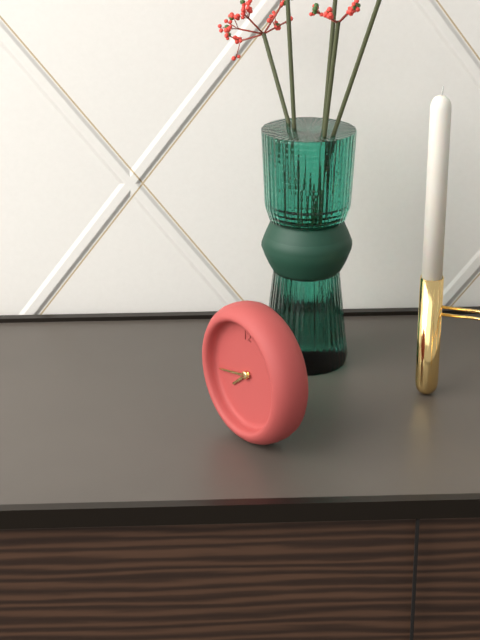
**7:43**
